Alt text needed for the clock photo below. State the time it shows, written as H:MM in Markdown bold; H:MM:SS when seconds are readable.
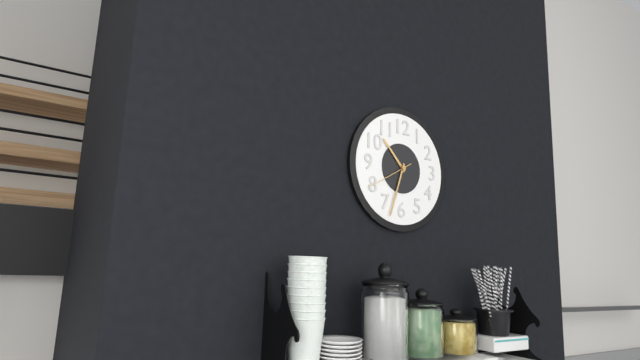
**10:33**
